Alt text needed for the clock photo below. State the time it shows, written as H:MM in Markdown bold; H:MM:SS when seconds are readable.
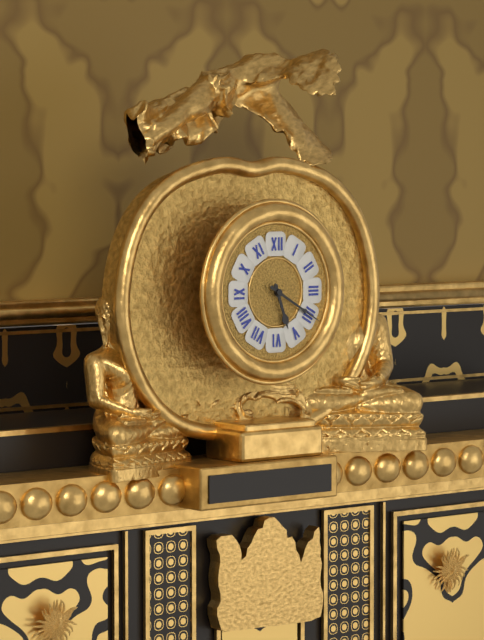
**5:20**
